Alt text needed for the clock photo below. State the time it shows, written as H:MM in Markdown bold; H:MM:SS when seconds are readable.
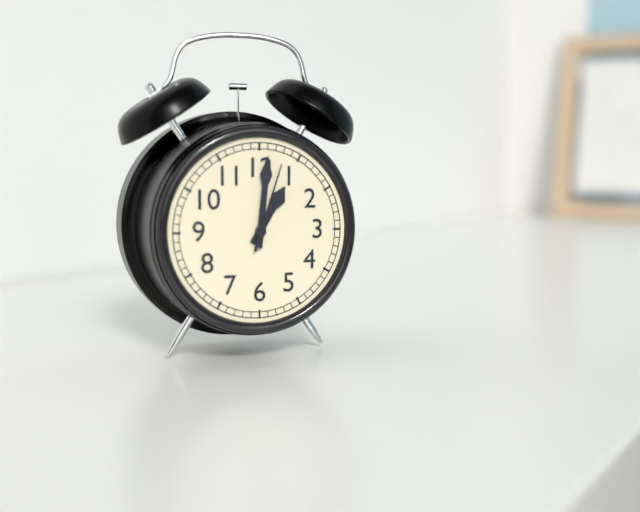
**1:01:03**
